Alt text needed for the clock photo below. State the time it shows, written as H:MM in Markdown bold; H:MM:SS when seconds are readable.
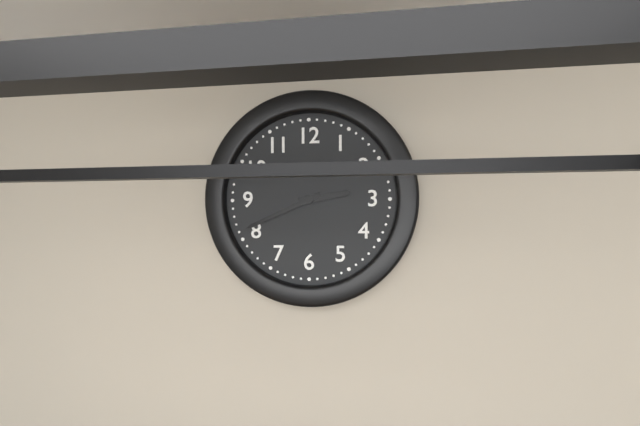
**2:41**
